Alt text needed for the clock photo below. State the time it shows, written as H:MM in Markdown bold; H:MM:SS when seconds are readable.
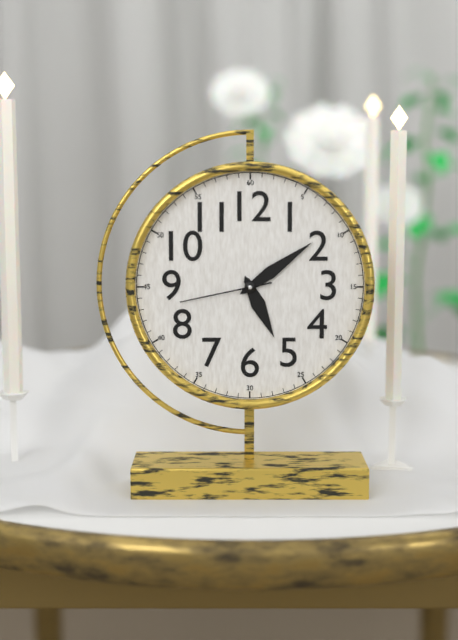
**5:09:43**
